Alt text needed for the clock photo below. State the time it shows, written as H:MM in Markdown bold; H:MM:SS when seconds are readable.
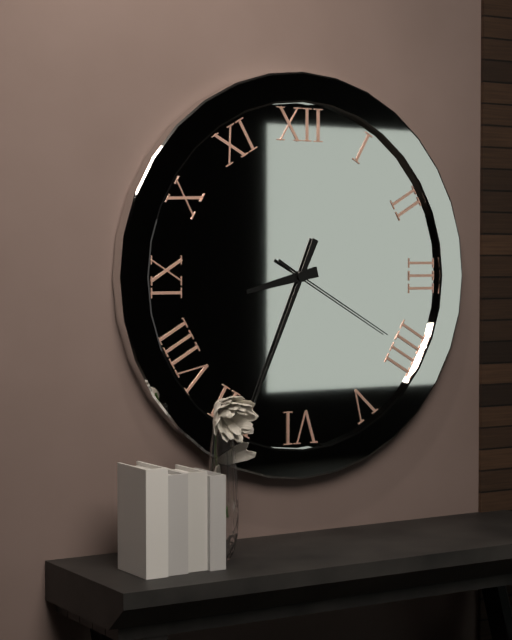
**8:34:20**
